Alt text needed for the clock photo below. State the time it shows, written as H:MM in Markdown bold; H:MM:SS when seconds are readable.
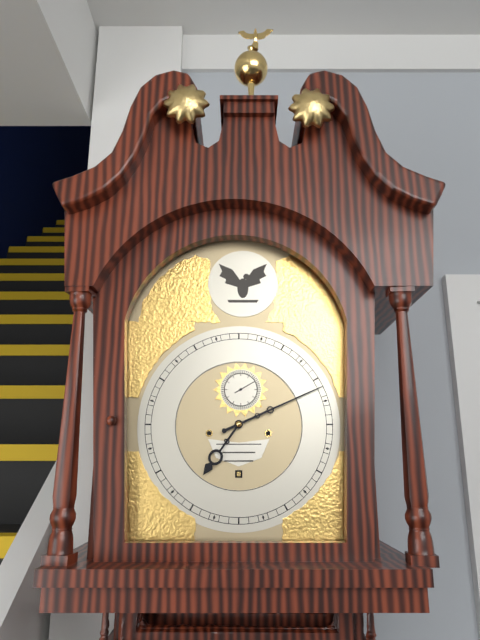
**7:11**
